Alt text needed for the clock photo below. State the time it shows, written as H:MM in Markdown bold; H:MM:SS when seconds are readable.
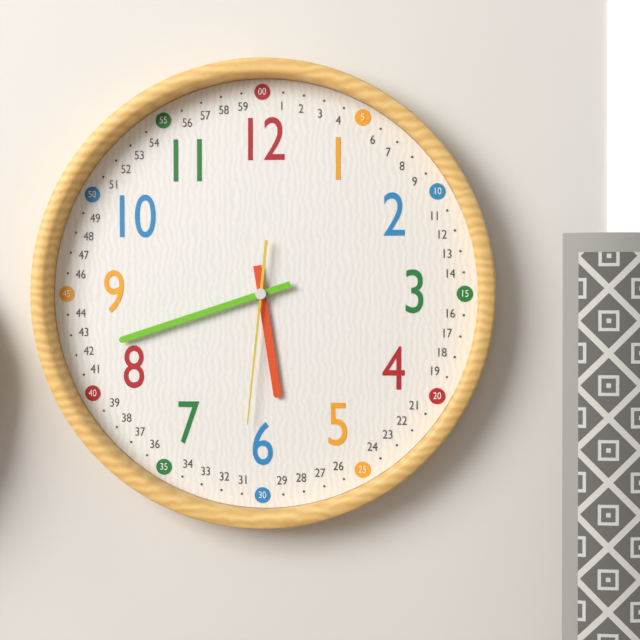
**5:42:31**
